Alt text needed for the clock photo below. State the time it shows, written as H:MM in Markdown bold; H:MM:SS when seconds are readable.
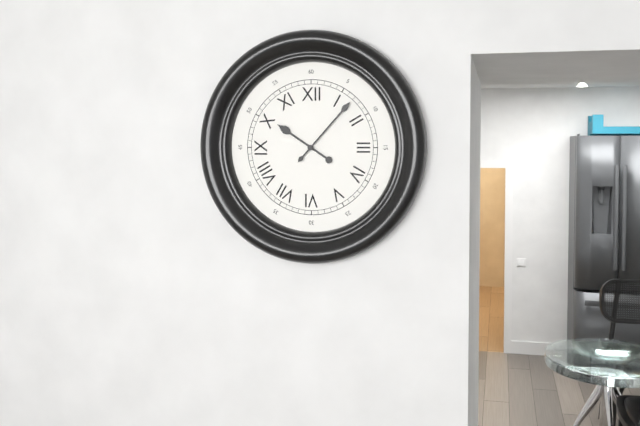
**10:07**
